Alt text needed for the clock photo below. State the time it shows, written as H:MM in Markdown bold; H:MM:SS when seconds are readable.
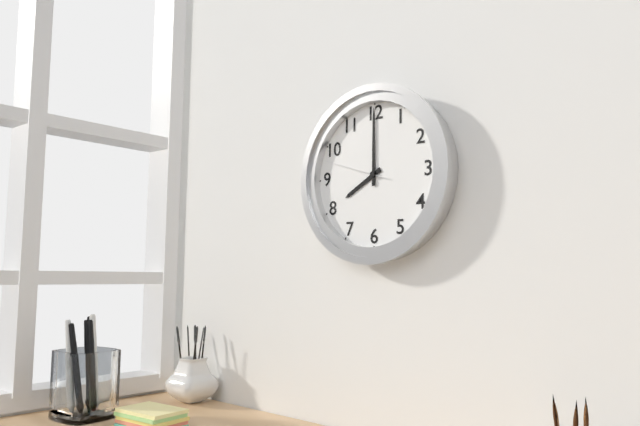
**8:00:48**
